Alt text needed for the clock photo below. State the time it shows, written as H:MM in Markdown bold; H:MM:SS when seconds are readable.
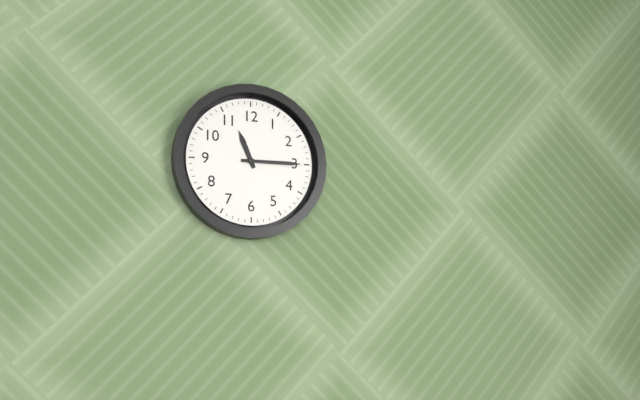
**11:15**
